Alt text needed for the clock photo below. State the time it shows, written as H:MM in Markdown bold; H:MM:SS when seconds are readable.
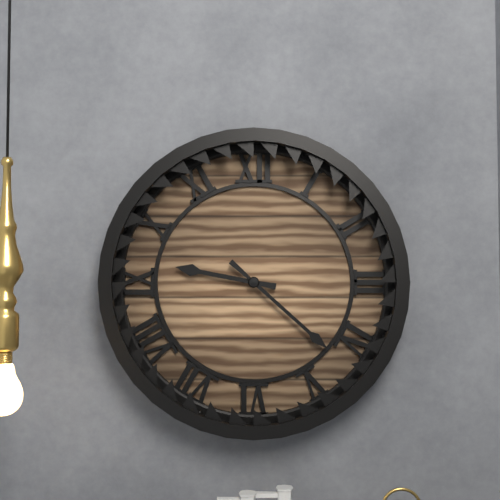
**9:22**
